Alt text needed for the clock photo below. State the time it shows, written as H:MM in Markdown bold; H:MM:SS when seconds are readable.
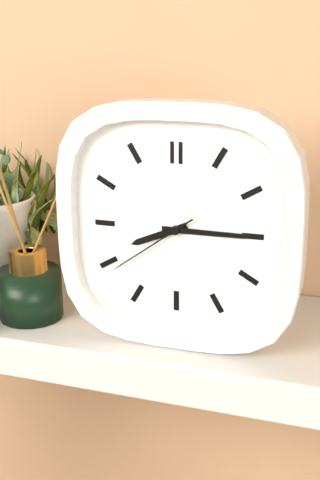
**8:15:39**
